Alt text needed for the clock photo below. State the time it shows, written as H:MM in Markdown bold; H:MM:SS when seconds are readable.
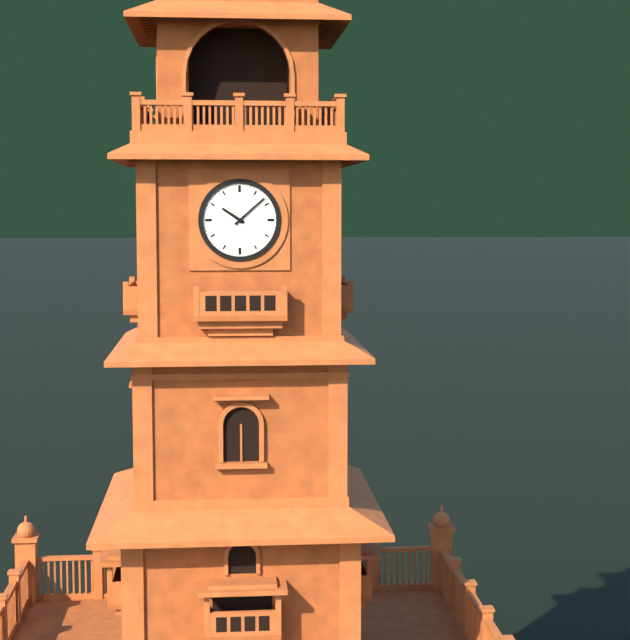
**10:08**
